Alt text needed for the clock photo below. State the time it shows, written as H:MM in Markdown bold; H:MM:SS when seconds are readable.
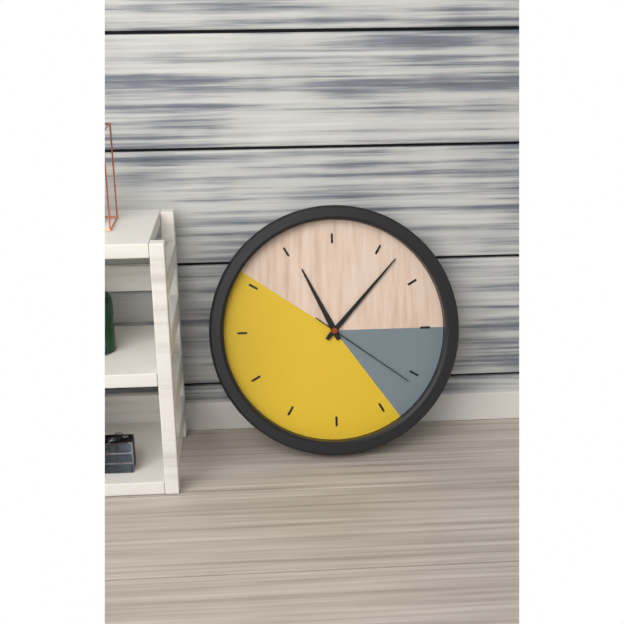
**11:07:21**
